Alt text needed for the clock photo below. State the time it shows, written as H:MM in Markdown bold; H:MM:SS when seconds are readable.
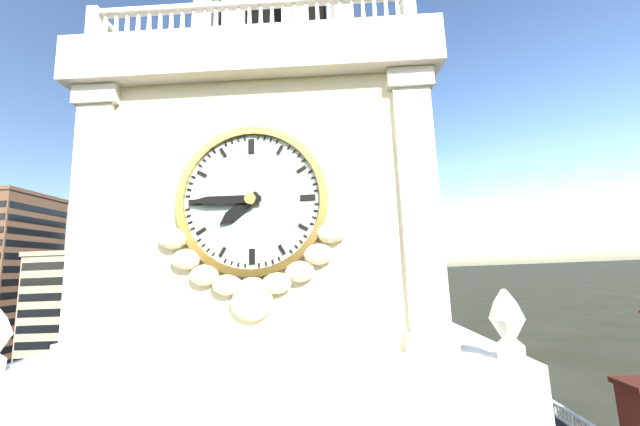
**7:45**
